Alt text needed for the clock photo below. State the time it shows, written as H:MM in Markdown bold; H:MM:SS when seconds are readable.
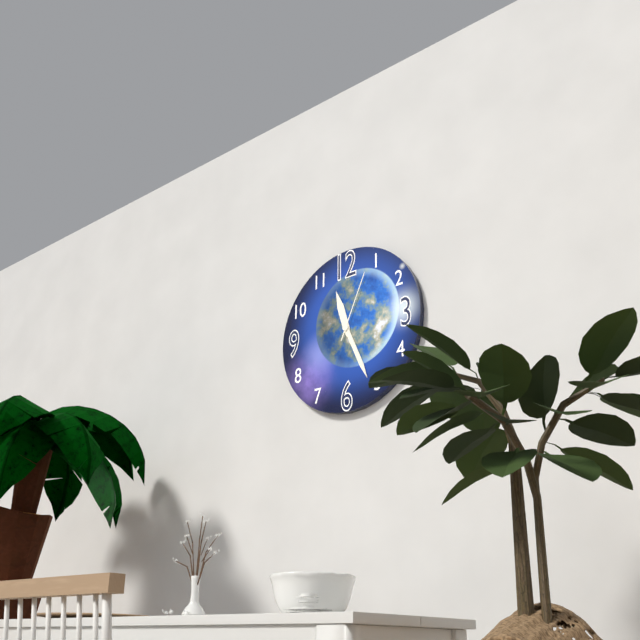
**11:26:04**
